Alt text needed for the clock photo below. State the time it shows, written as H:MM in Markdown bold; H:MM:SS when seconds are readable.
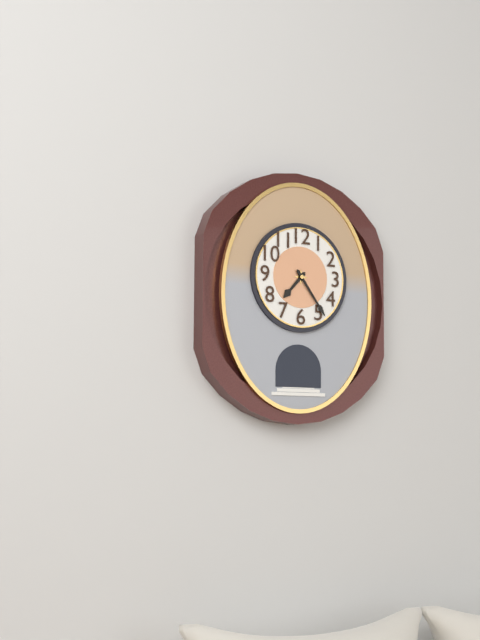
**7:24**
